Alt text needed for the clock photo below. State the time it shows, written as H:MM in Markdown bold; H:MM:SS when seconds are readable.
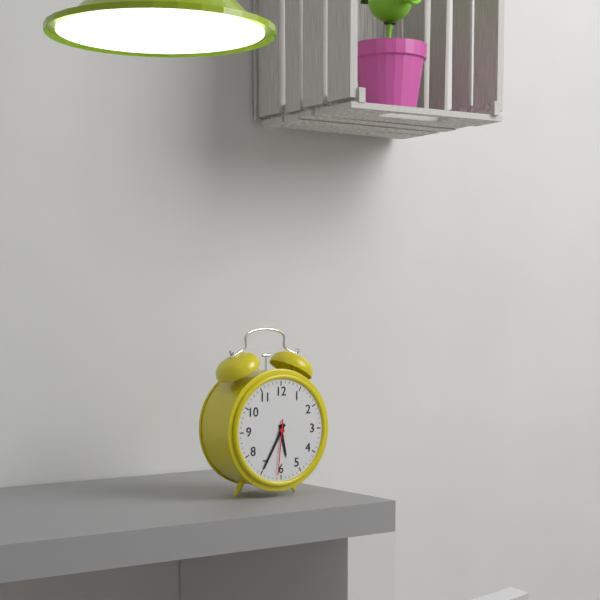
**5:35:31**
